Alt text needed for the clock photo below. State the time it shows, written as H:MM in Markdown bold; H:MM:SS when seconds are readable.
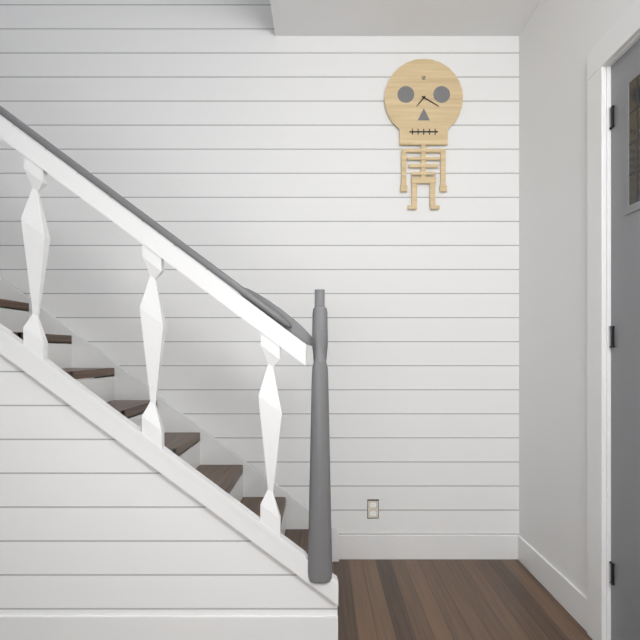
**7:20**
